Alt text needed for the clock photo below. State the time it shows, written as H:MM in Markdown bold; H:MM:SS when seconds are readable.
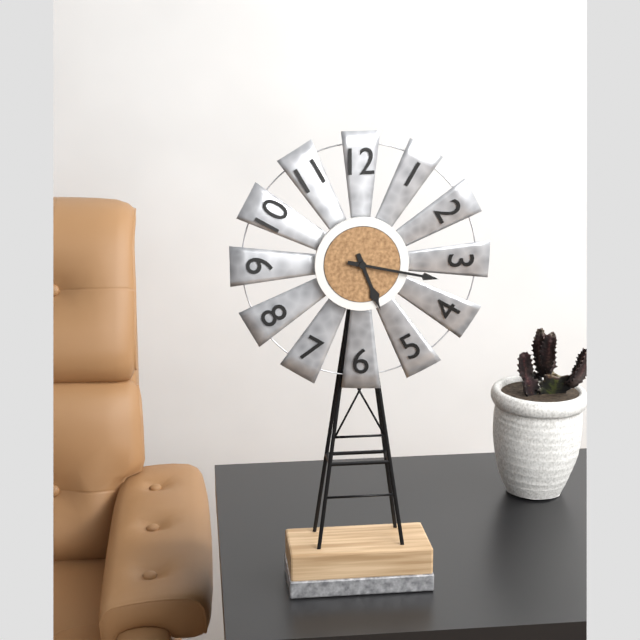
**5:17**
